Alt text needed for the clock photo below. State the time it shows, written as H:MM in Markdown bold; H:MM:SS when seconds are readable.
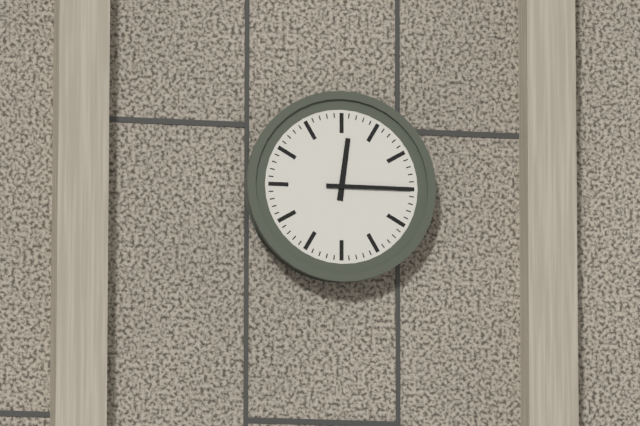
**12:15**
